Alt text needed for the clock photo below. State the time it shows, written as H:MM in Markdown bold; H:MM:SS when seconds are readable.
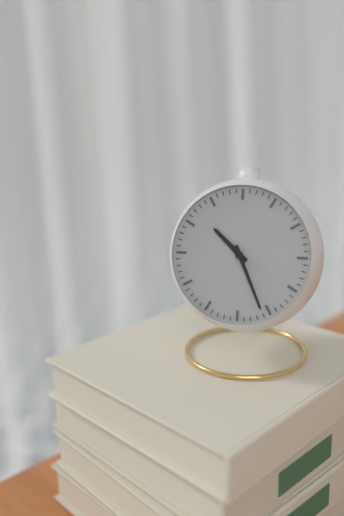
**10:26**
